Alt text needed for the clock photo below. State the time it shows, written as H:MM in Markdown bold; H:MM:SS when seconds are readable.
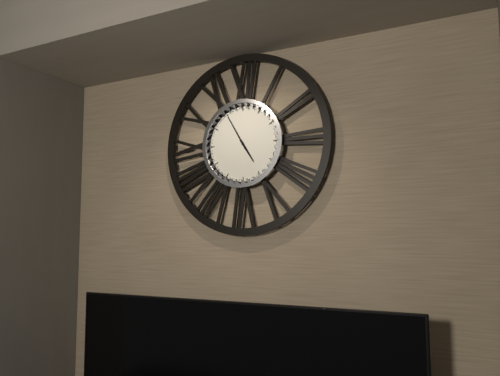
**4:55**
